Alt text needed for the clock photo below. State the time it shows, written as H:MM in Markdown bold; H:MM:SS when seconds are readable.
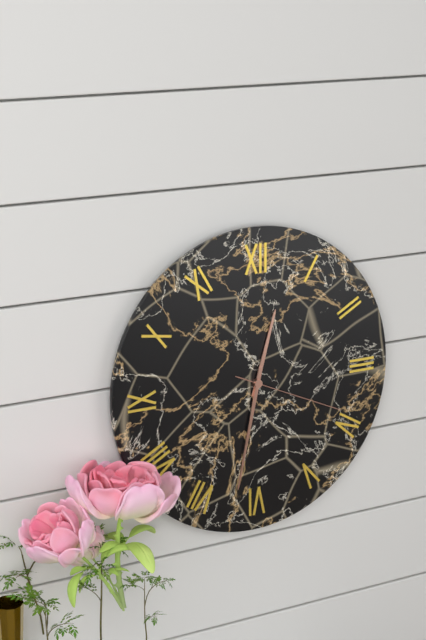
**12:32:19**
